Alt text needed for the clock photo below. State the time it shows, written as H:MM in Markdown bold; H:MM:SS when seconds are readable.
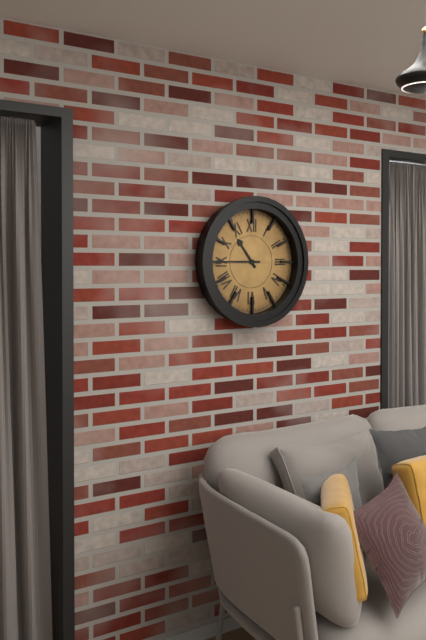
**10:45**
